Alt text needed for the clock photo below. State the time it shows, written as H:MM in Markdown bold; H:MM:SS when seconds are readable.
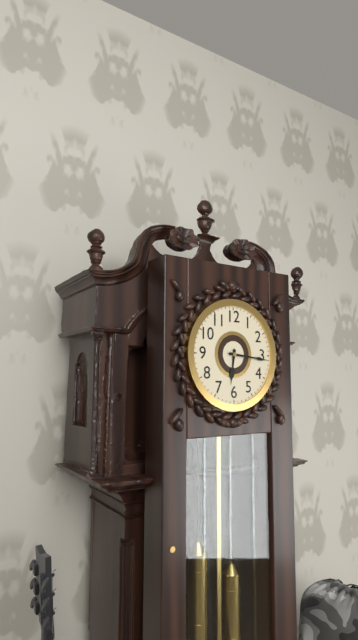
**6:16**
